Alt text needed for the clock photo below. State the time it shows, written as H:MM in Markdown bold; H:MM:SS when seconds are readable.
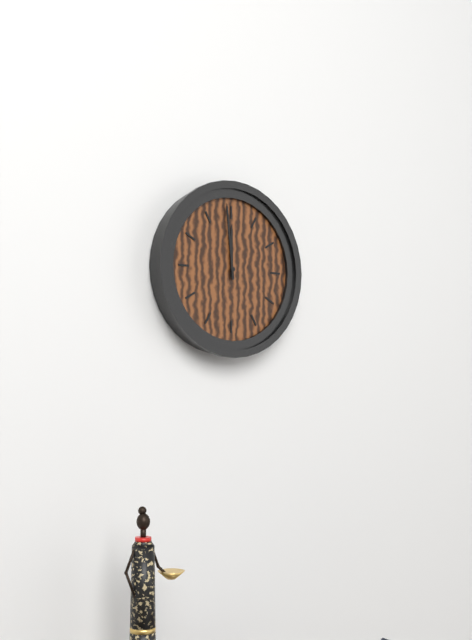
**11:59**
